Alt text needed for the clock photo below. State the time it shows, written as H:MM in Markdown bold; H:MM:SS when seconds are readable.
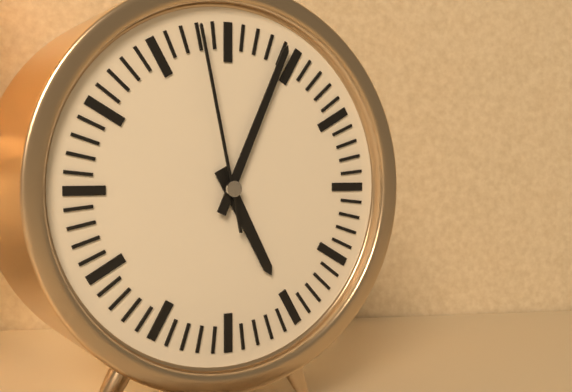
**5:04:58**
